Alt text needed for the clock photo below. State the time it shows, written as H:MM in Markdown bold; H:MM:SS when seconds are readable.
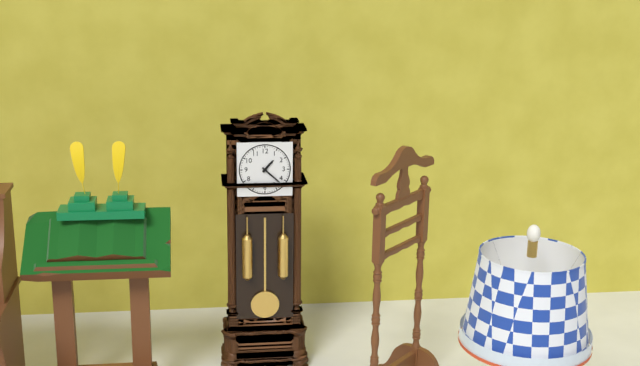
**1:22**
